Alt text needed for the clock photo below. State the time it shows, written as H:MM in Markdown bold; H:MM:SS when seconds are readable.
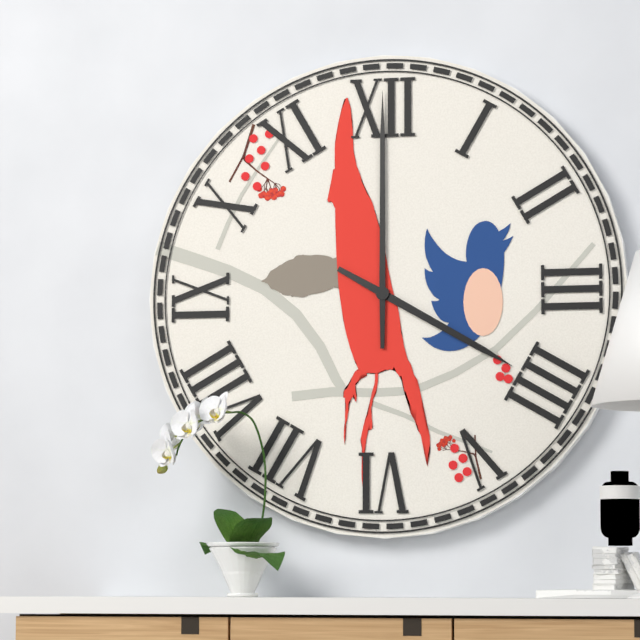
**4:00**
